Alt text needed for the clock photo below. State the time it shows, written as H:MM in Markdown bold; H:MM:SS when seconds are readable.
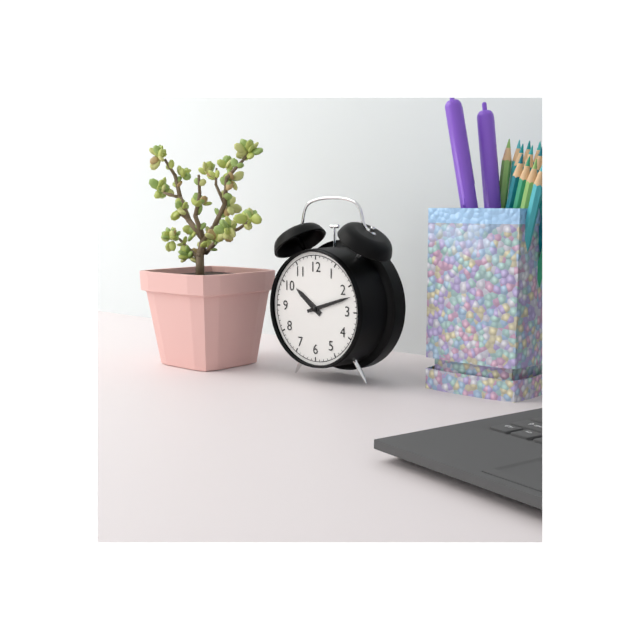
**10:12**
